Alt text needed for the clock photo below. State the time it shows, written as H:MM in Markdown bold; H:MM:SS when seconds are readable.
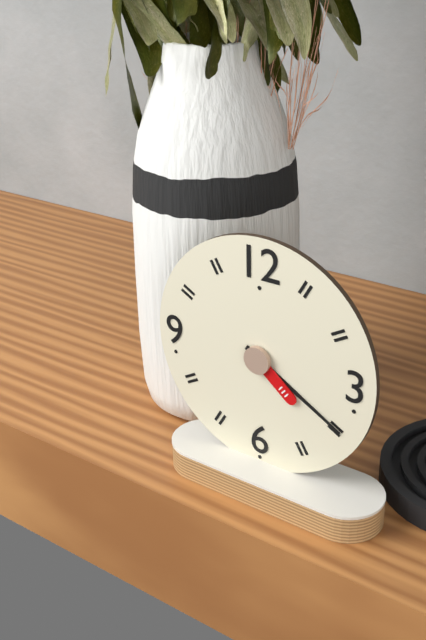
**4:20**
